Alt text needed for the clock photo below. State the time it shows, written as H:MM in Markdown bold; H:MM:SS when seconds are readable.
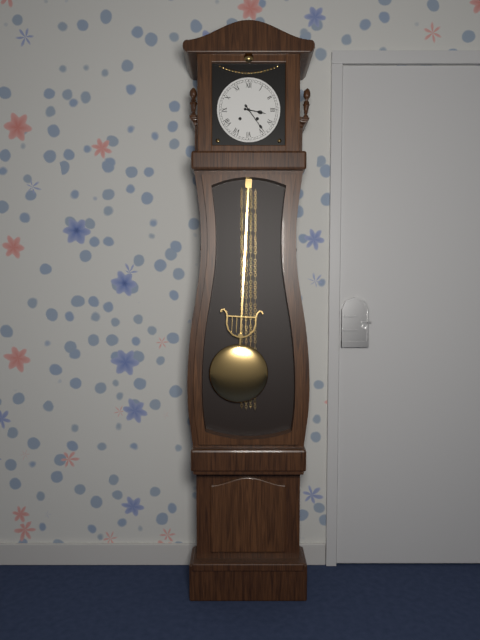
**3:24**
